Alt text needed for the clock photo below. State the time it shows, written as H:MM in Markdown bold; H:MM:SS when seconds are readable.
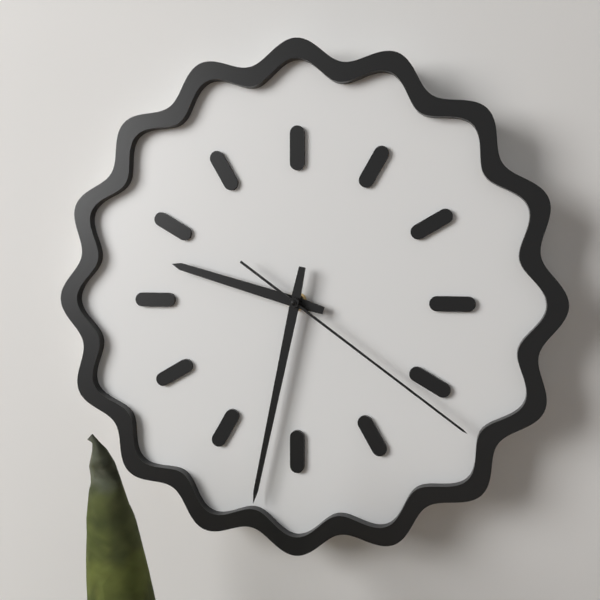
**9:32:21**
